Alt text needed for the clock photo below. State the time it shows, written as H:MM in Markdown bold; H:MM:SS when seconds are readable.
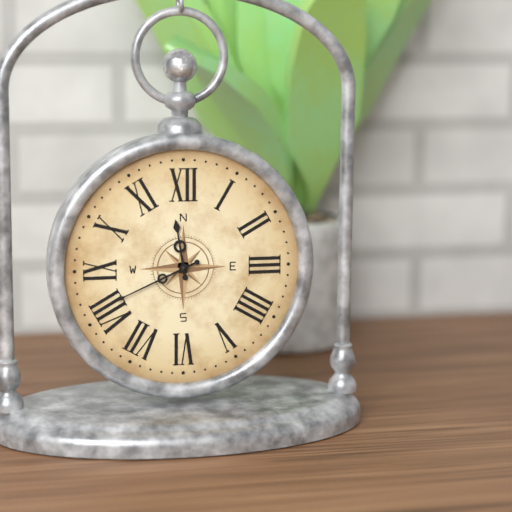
**11:41**
